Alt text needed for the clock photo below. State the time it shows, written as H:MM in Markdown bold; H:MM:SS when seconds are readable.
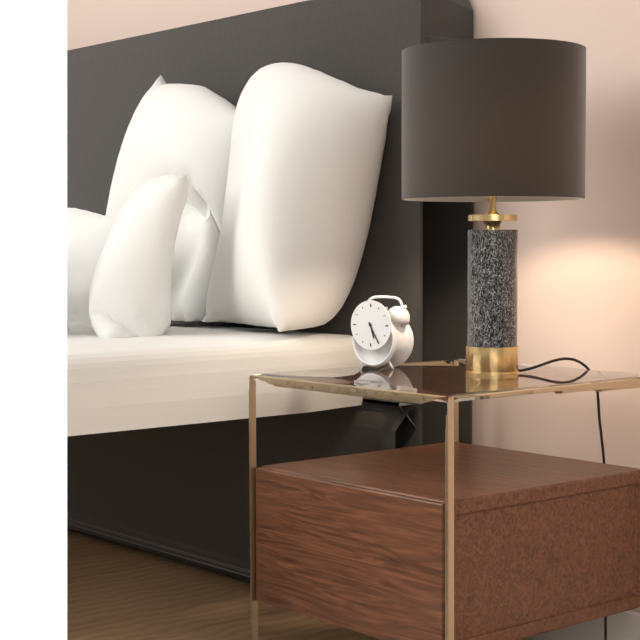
**5:25**
